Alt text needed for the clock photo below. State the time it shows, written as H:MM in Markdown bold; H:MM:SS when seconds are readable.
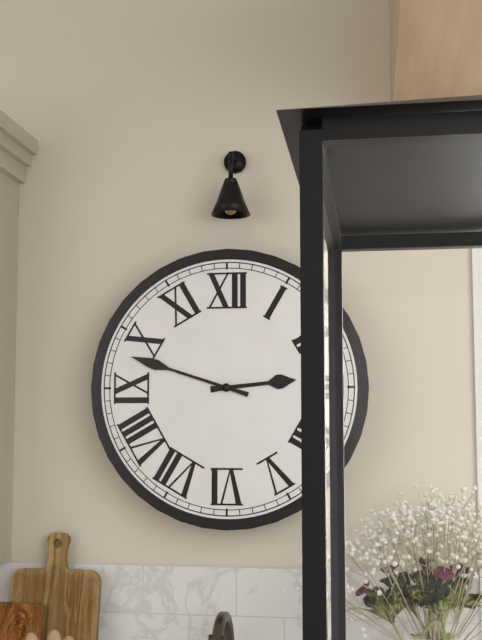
**2:48**
